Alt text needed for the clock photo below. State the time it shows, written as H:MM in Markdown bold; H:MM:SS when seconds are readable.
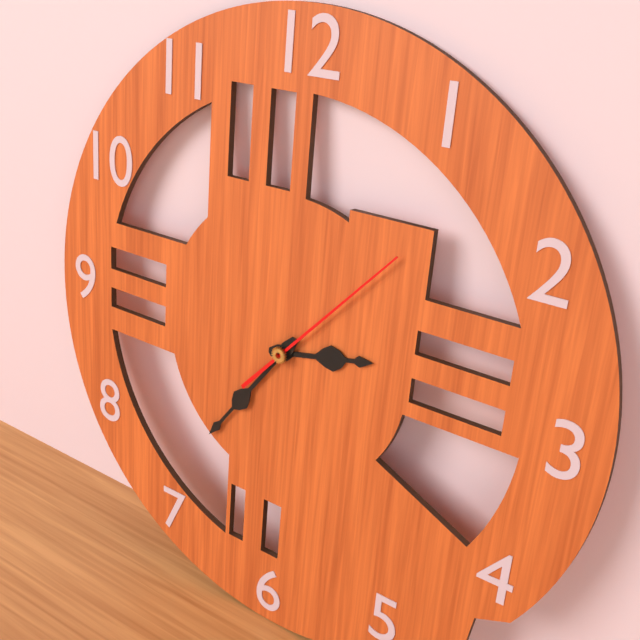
**2:36:07**
